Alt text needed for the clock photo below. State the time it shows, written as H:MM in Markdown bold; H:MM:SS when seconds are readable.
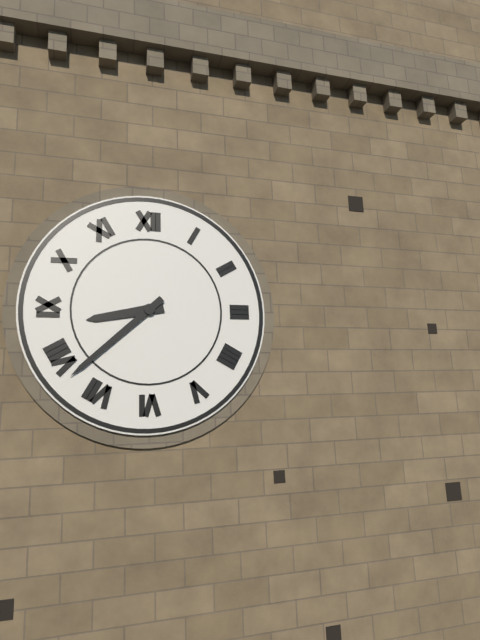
**8:38**
